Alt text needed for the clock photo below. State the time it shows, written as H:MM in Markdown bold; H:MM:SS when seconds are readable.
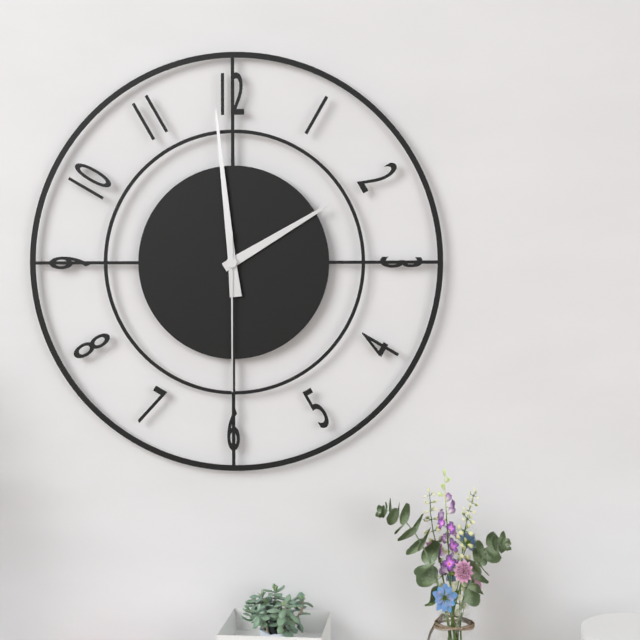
**1:59:30**
